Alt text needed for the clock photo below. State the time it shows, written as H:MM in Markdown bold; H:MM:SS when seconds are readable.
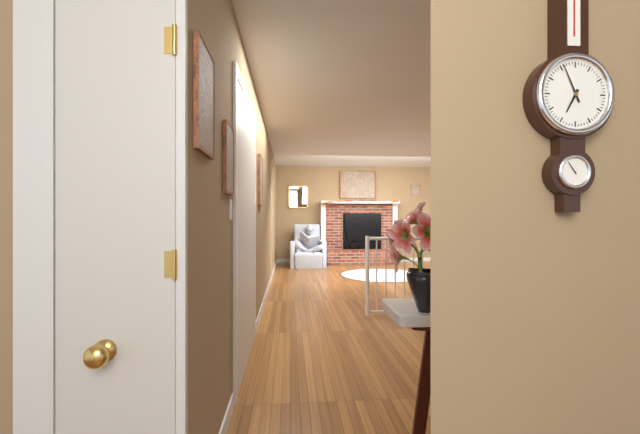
**6:56**
